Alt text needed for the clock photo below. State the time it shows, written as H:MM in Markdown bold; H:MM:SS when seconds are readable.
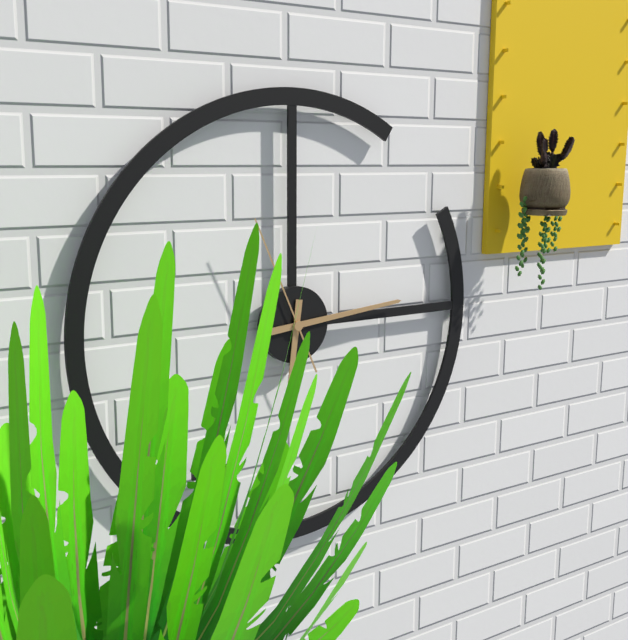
**6:14:56**
